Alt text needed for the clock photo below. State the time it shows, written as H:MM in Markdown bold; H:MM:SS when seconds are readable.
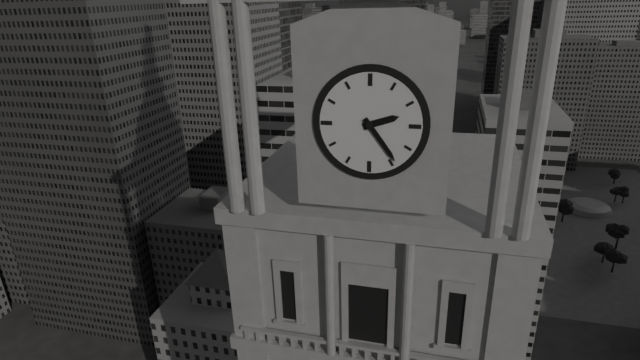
**2:24**
